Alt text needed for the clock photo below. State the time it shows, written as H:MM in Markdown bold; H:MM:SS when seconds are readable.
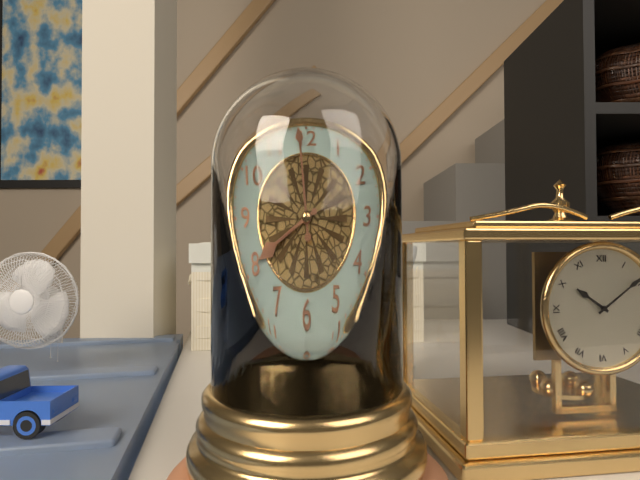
**7:59**
